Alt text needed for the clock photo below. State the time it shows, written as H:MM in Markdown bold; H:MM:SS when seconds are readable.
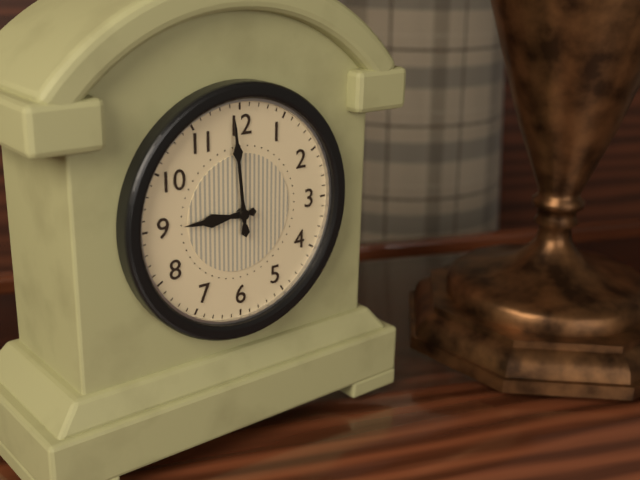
**8:59**
